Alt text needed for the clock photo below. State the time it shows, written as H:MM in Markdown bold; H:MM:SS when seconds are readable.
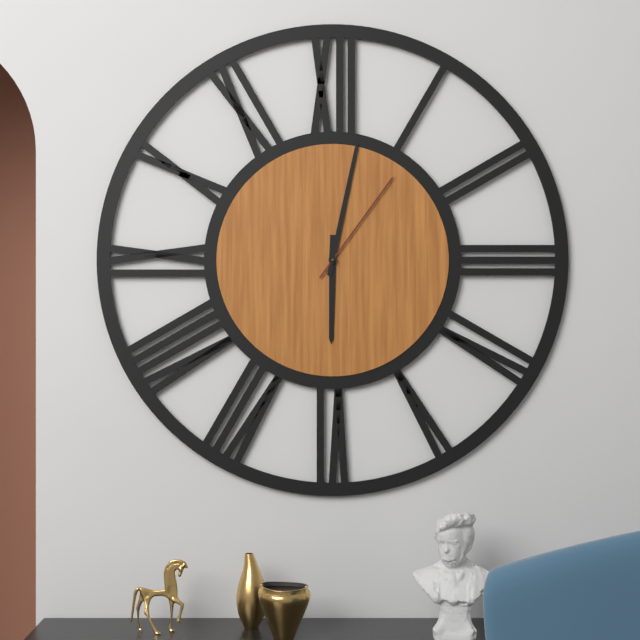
**6:02:06**
